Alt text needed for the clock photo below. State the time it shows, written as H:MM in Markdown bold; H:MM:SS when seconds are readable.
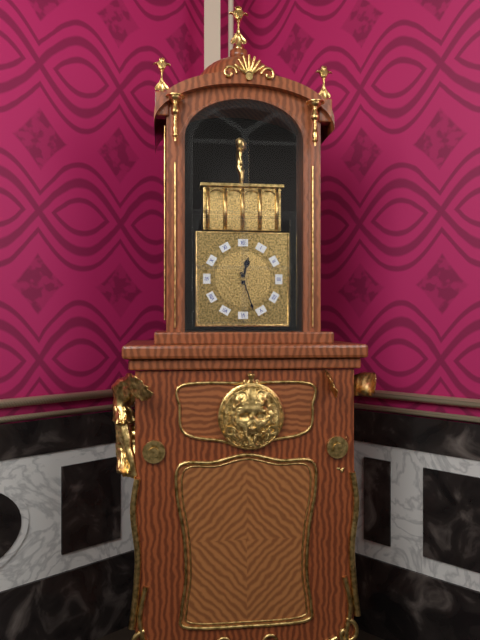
**12:27**
